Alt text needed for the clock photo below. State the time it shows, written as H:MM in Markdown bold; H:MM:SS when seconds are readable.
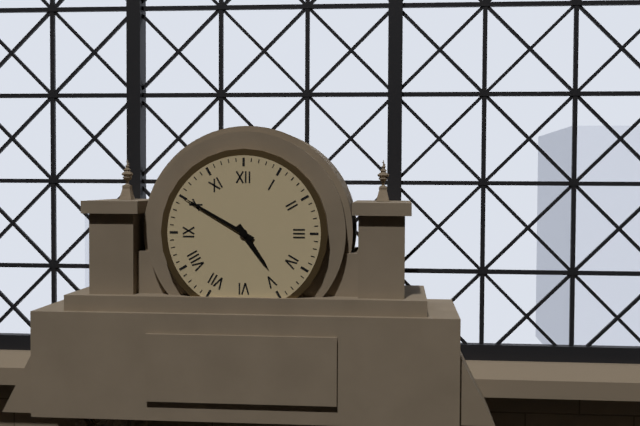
**4:50**
